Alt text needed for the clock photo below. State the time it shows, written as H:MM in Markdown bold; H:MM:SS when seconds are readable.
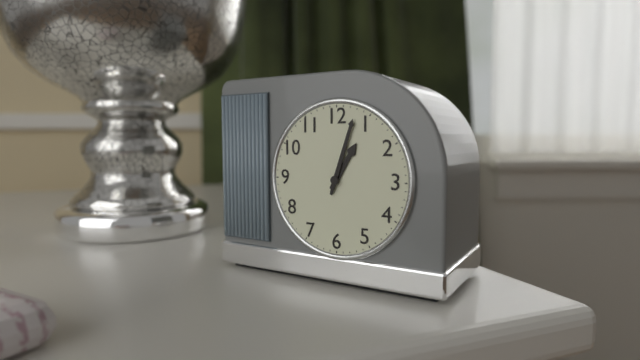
**1:03**
